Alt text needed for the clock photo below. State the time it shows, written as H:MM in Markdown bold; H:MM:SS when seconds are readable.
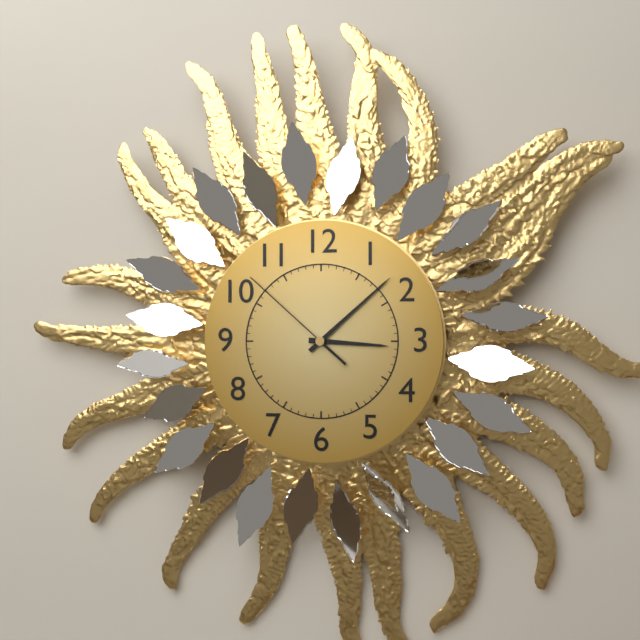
**3:08:52**
